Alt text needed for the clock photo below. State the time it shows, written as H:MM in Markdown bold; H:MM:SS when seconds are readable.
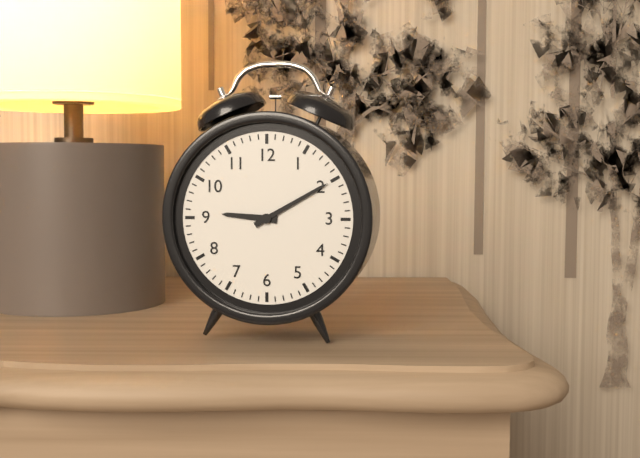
**9:10**
